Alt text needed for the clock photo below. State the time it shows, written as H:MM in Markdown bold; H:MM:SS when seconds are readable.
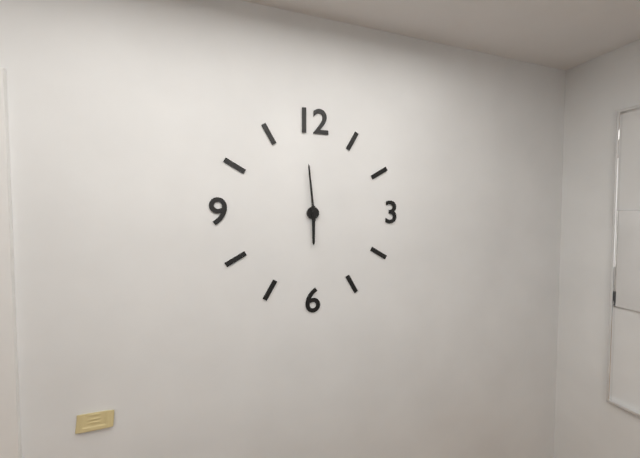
**5:59**
